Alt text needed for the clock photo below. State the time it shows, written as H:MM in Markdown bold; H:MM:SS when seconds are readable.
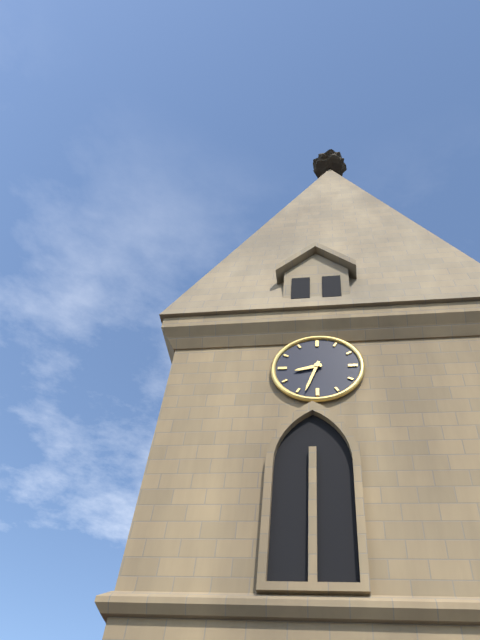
**8:33**
